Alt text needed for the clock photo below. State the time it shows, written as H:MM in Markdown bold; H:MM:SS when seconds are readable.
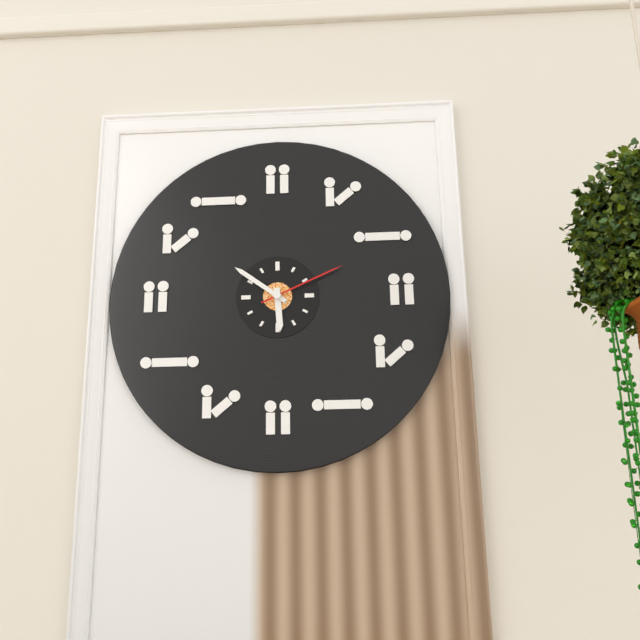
**5:51:11**
